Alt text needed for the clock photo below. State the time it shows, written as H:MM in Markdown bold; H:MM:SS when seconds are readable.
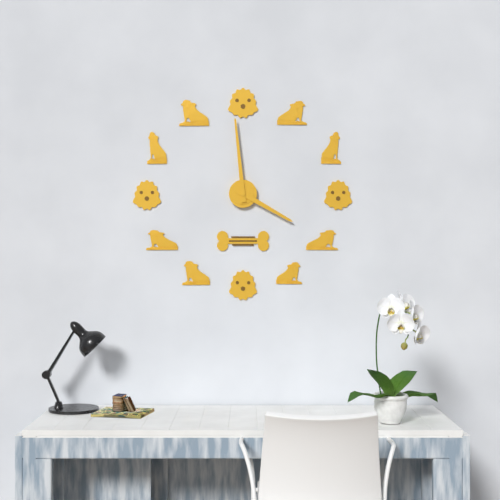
**3:59**
